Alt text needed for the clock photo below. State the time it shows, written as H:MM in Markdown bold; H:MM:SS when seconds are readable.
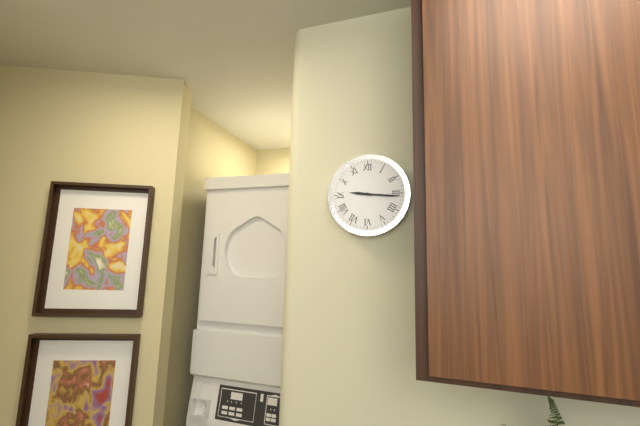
**9:16**
